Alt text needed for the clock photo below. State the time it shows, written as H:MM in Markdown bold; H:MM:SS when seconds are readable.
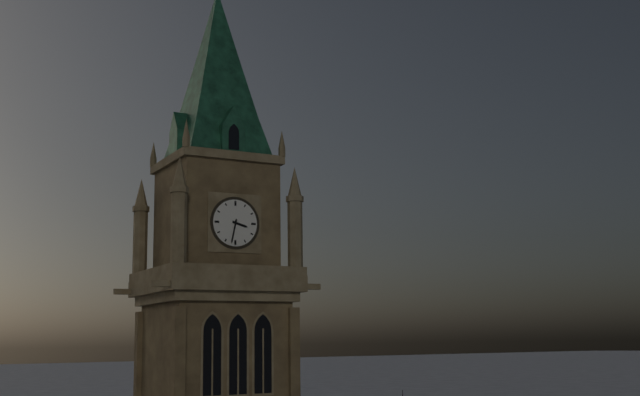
**3:32**
